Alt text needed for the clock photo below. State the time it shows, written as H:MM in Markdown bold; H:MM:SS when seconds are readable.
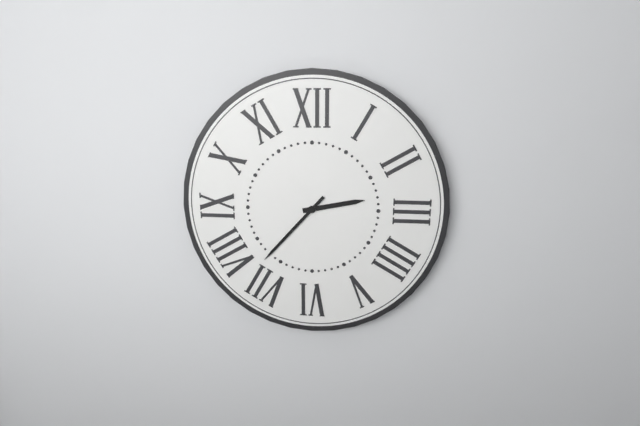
**2:37**
